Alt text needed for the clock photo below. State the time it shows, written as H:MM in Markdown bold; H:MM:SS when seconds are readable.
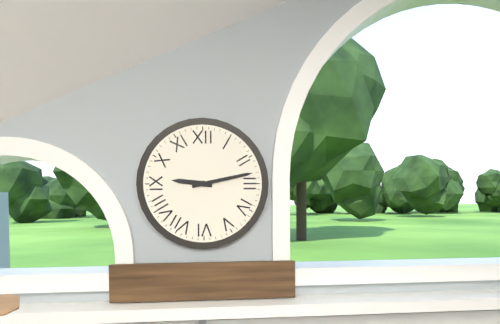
**9:13**
